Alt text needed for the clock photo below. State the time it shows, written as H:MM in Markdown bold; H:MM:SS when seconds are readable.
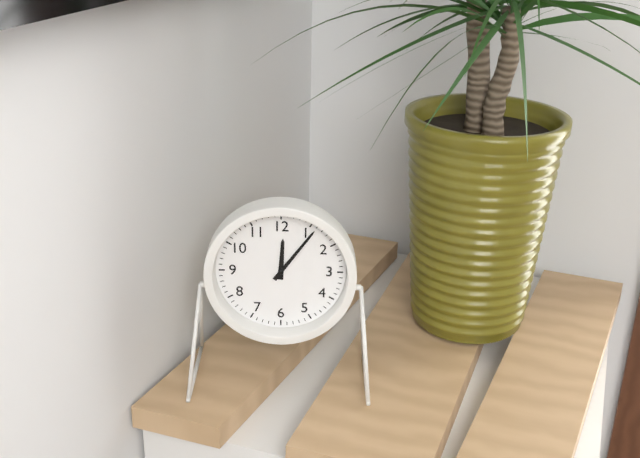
**12:06**
